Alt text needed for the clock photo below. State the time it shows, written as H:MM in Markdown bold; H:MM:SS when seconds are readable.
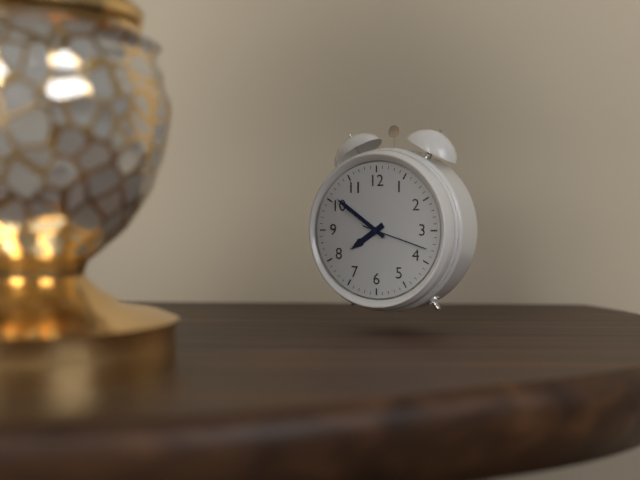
**7:51:18**
